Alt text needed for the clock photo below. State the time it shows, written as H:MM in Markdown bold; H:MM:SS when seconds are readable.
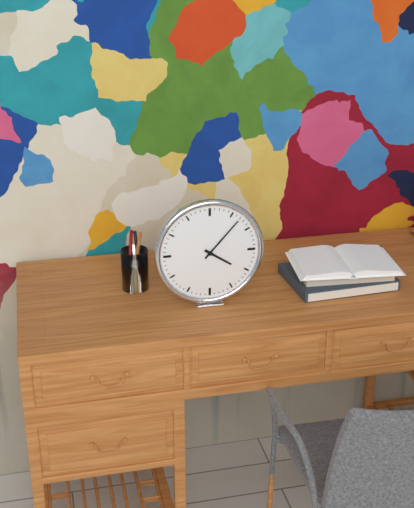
**4:07**
